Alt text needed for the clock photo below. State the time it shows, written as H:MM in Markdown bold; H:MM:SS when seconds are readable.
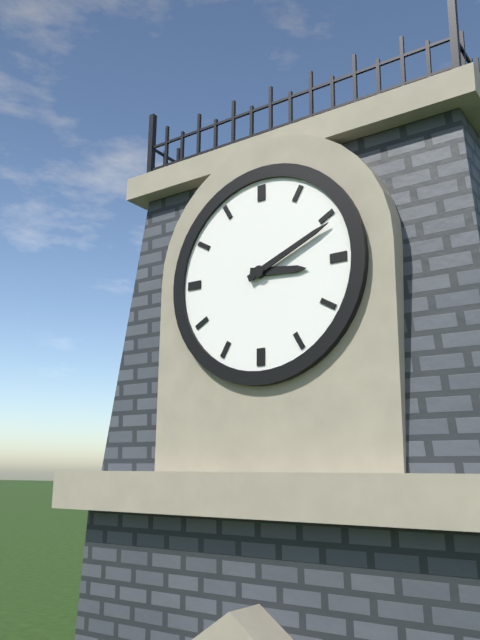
**3:11**
